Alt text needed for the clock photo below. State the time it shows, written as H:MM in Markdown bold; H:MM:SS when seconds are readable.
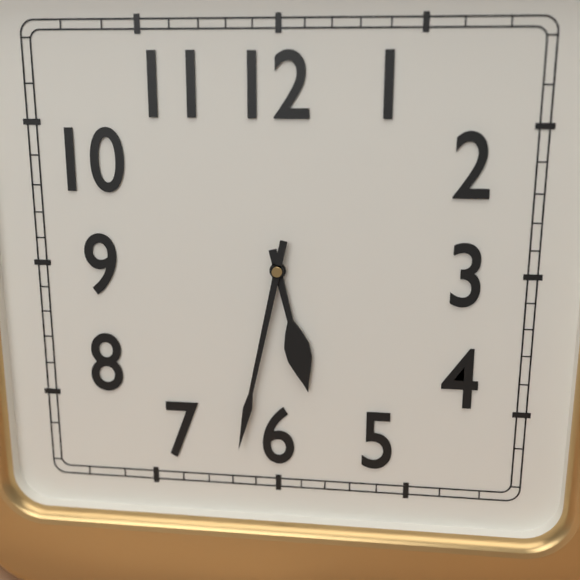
**5:32**
